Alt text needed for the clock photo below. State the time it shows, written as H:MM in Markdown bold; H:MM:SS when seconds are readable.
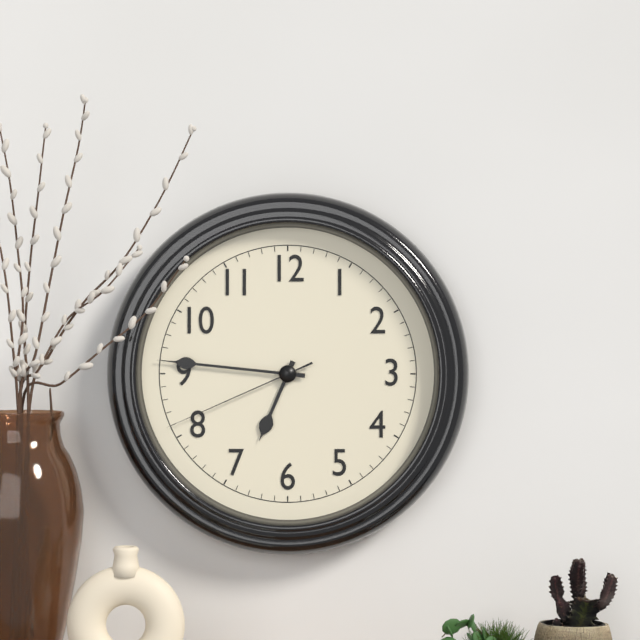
**6:46:41**
